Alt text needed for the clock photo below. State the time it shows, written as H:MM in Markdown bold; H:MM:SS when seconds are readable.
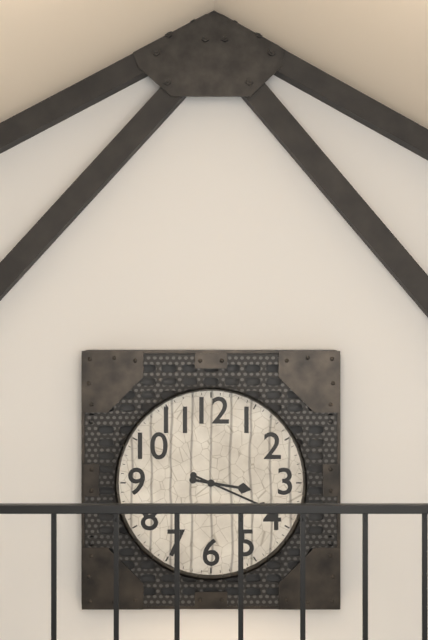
**3:19**
